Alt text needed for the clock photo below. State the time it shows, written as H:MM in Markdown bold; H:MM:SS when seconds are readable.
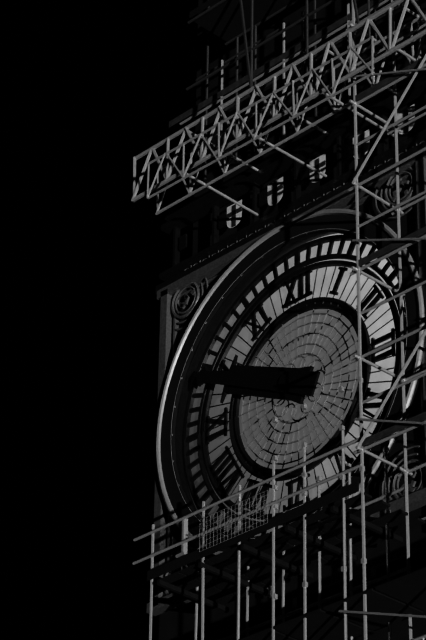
**9:49**
